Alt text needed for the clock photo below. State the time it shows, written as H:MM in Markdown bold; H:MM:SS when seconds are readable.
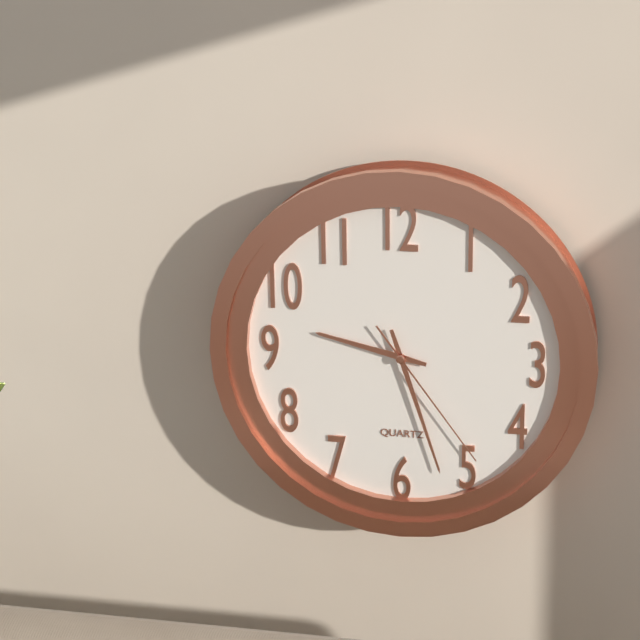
**9:27:24**
